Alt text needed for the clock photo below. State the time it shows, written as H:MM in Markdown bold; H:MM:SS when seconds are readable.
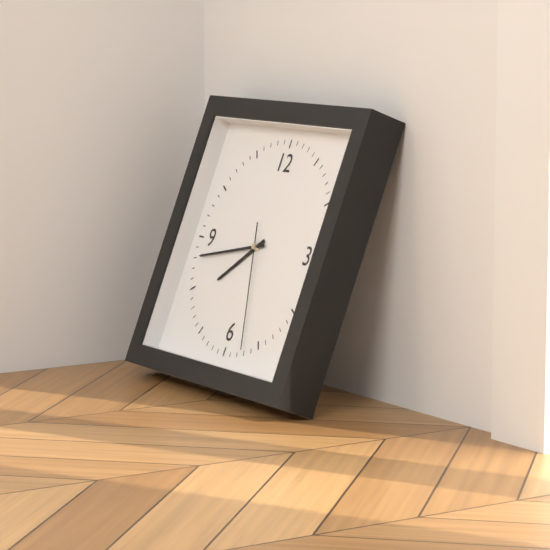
**7:43:27**
